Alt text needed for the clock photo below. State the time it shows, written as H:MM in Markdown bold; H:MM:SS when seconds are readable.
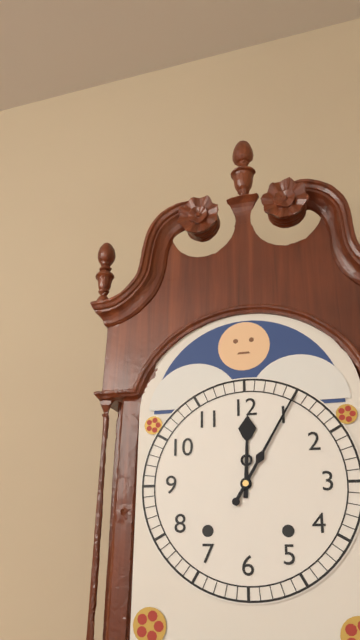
**12:05**
